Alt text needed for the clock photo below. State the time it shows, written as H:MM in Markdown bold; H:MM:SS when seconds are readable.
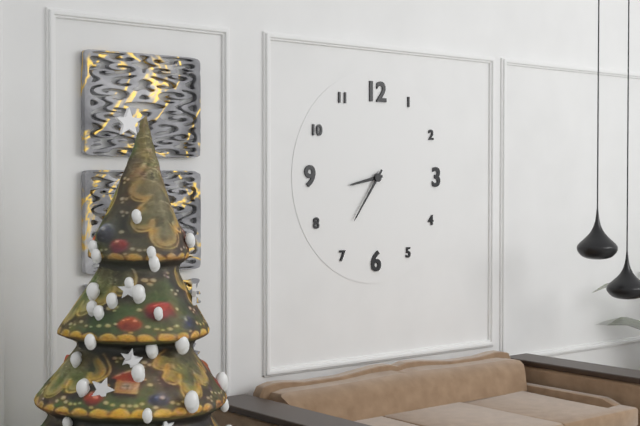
**8:36**
